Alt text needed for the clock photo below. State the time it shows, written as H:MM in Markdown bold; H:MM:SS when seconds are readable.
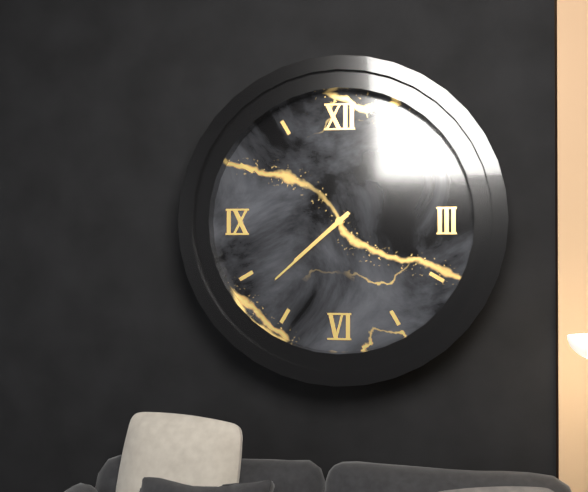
**7:38**
